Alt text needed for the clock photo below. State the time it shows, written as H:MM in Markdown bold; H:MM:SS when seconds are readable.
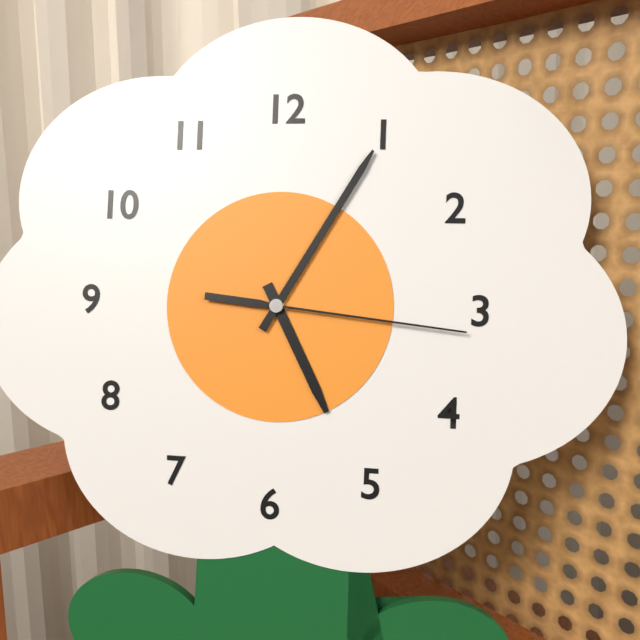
**5:05:16**
